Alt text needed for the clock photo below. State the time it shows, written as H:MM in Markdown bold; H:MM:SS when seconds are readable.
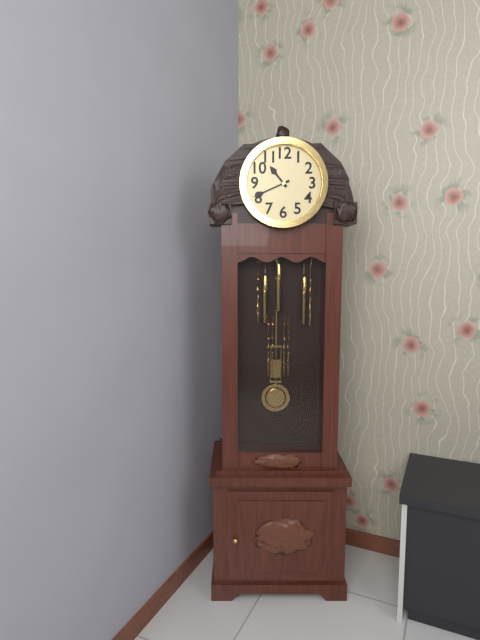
**10:41**
